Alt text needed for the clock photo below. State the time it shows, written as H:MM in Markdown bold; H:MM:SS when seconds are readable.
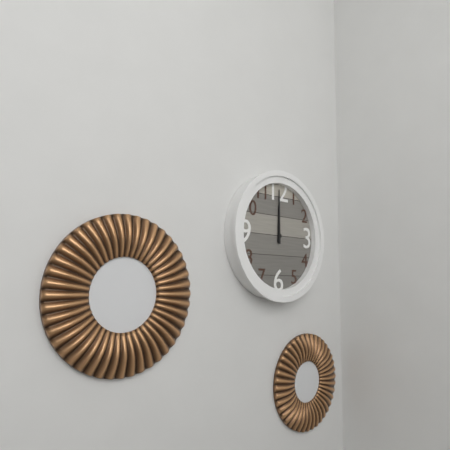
**12:00**
